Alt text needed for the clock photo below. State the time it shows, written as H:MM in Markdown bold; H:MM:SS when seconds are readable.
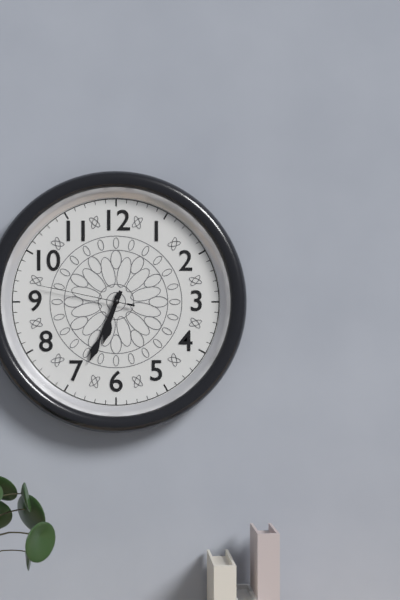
**6:34:47**
